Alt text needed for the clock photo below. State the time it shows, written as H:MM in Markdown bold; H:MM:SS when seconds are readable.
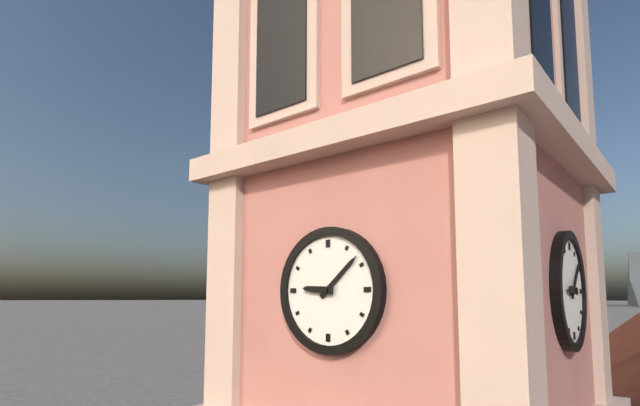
**9:08**
